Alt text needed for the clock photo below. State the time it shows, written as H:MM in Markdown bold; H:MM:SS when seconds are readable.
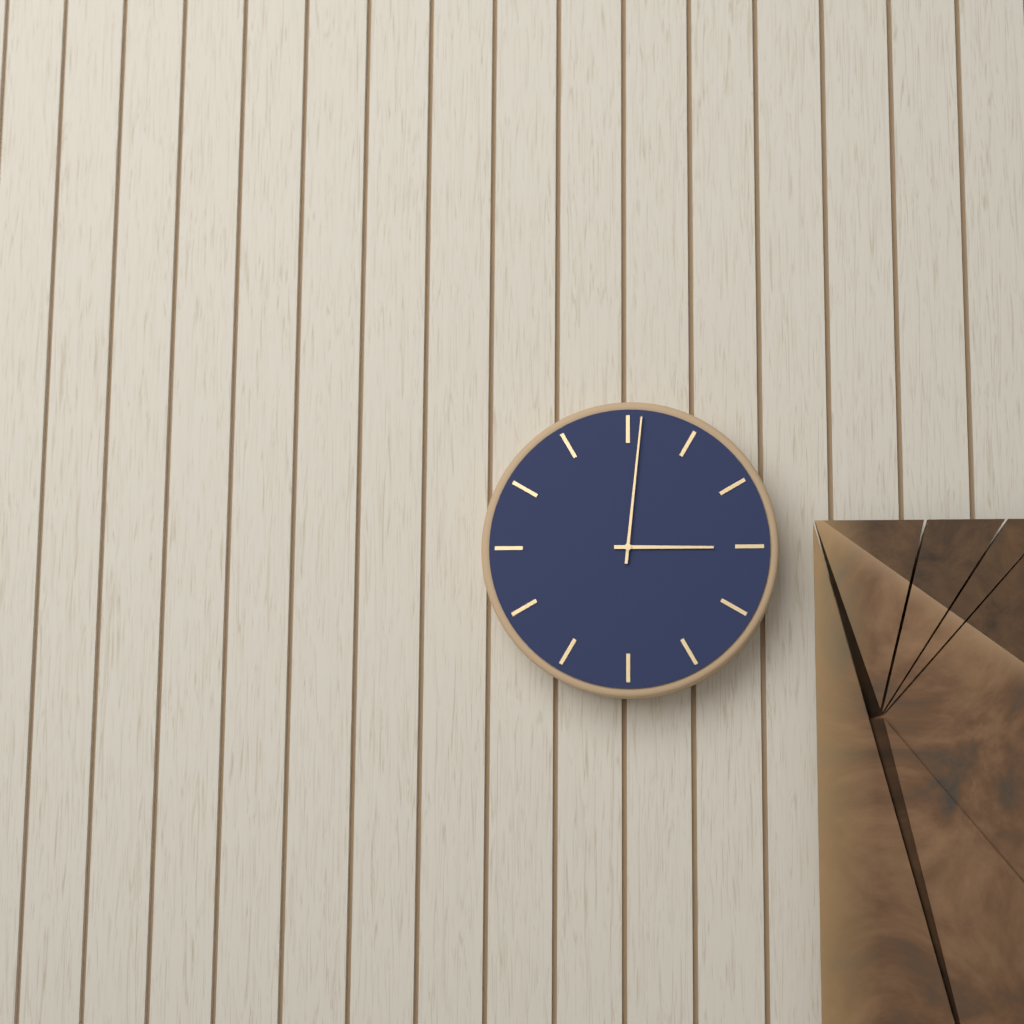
**3:01**
